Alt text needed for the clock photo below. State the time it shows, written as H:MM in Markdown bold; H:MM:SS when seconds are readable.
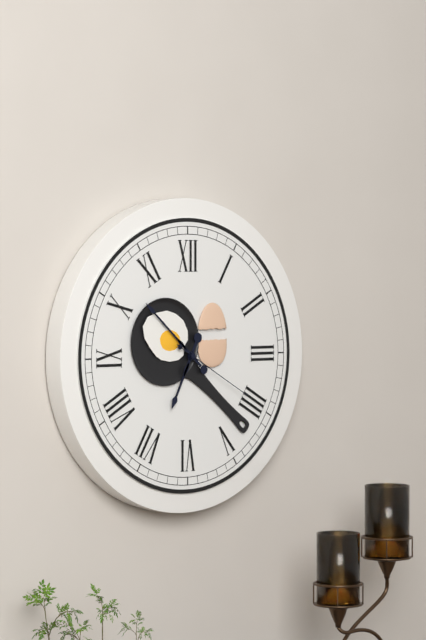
**6:52:20**
